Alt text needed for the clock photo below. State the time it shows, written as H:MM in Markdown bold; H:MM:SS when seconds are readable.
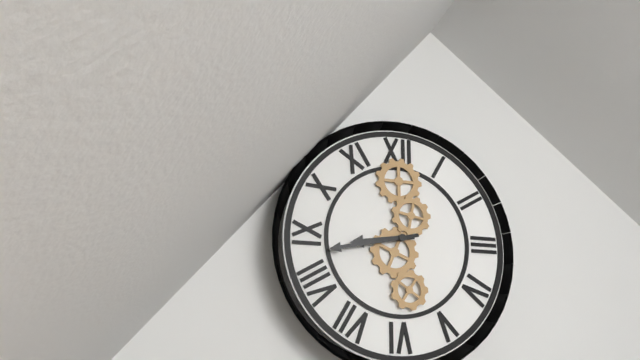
**8:43**
